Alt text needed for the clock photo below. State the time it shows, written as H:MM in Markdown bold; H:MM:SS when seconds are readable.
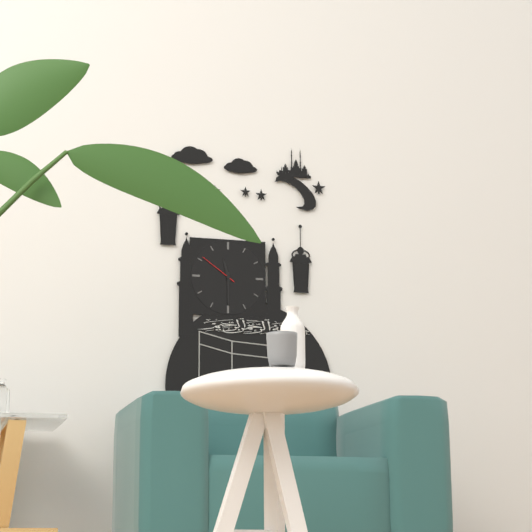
**11:30**
